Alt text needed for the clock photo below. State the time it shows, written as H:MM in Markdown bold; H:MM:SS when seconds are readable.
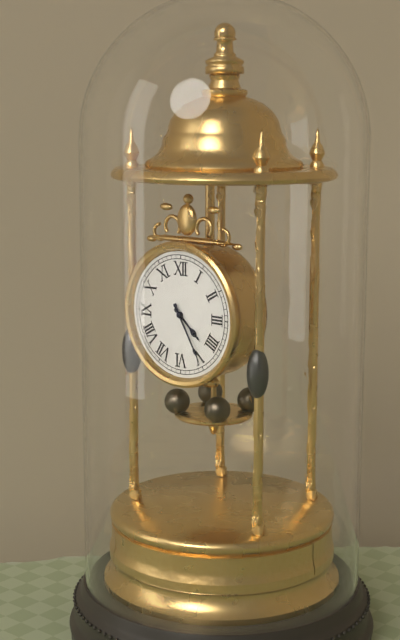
**4:25**
